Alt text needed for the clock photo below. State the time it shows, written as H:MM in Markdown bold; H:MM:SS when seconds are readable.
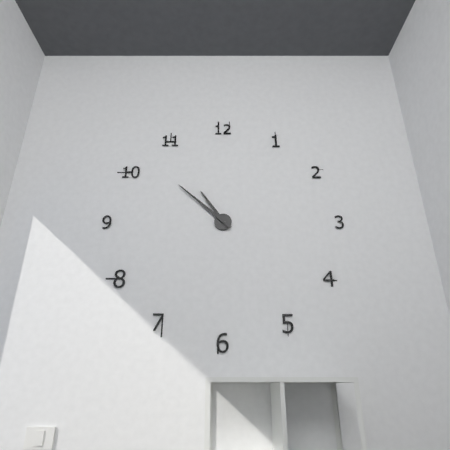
**10:52**
